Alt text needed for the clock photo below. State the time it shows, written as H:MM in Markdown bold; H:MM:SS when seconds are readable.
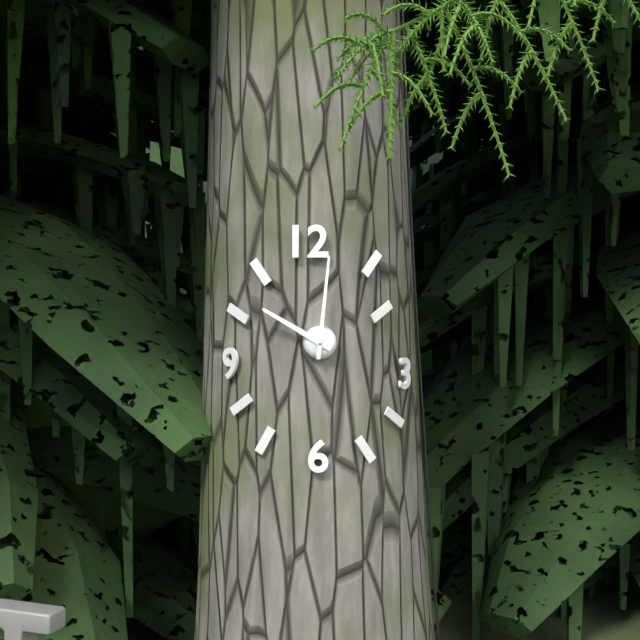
**10:01**
